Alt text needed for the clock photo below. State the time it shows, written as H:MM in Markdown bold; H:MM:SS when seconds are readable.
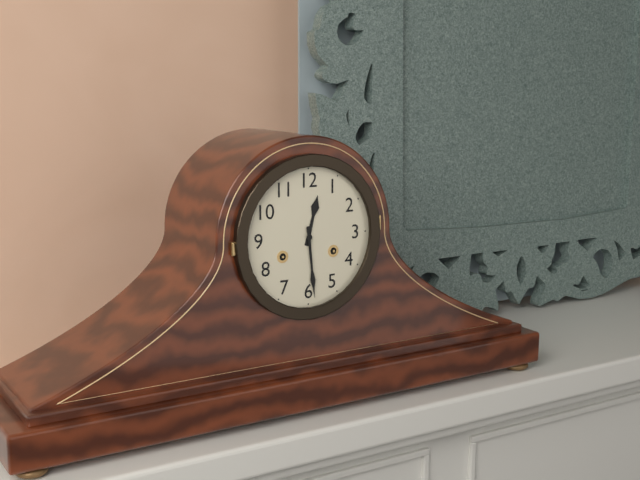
**12:29**
